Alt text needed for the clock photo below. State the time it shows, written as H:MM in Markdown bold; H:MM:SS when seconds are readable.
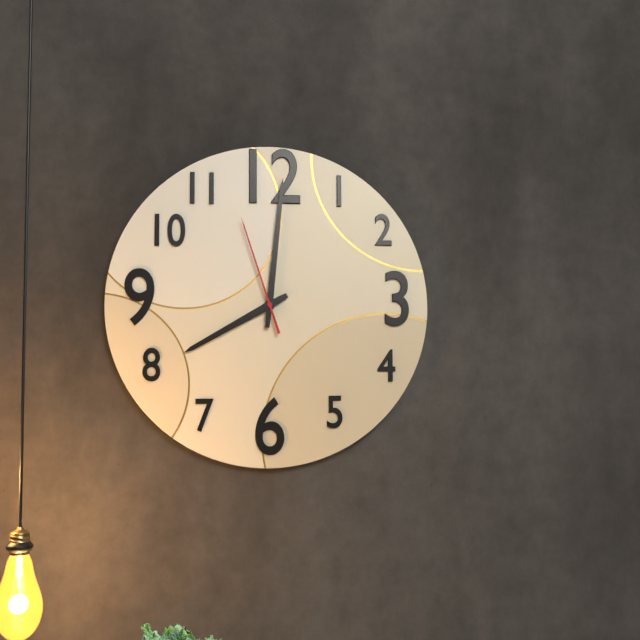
**8:01:57**
